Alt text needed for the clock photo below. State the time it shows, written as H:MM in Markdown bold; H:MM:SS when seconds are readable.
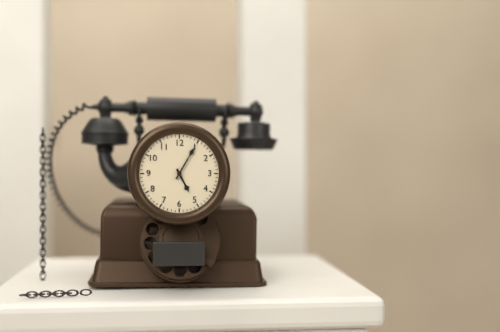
**5:05**
